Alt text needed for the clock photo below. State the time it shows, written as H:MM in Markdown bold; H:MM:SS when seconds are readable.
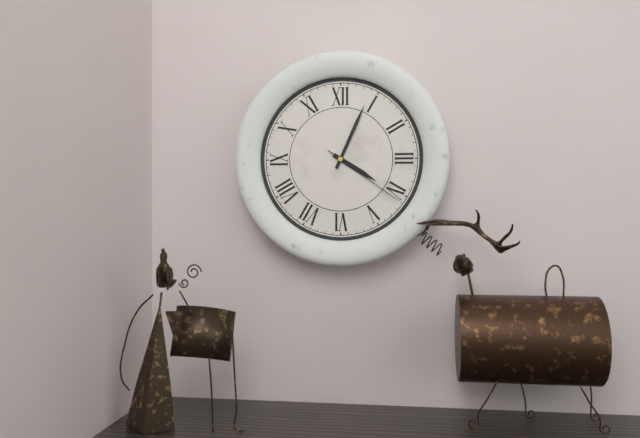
**4:04:21**
